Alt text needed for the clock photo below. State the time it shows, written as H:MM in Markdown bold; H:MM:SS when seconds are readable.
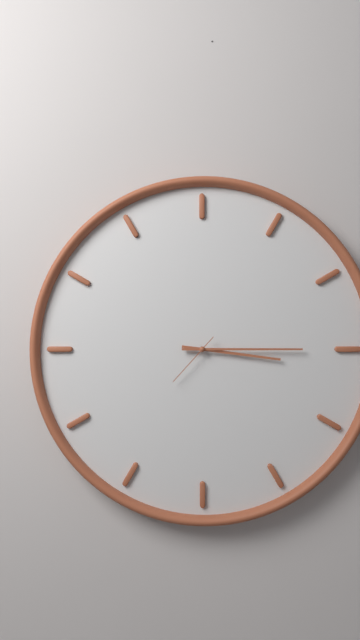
**3:15:37**
